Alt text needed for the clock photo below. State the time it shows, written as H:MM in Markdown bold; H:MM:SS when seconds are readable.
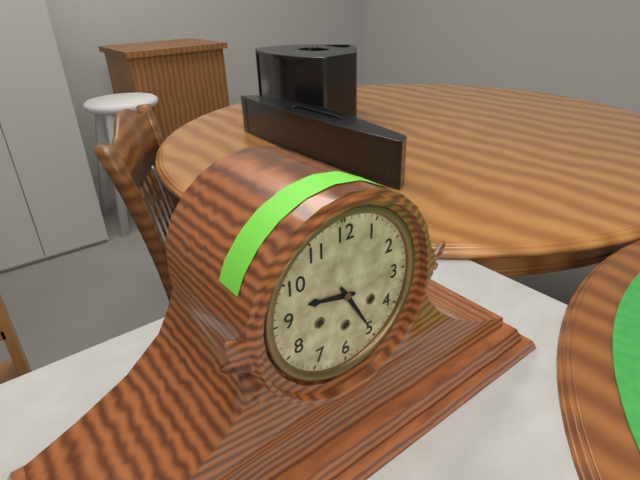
**9:25**
